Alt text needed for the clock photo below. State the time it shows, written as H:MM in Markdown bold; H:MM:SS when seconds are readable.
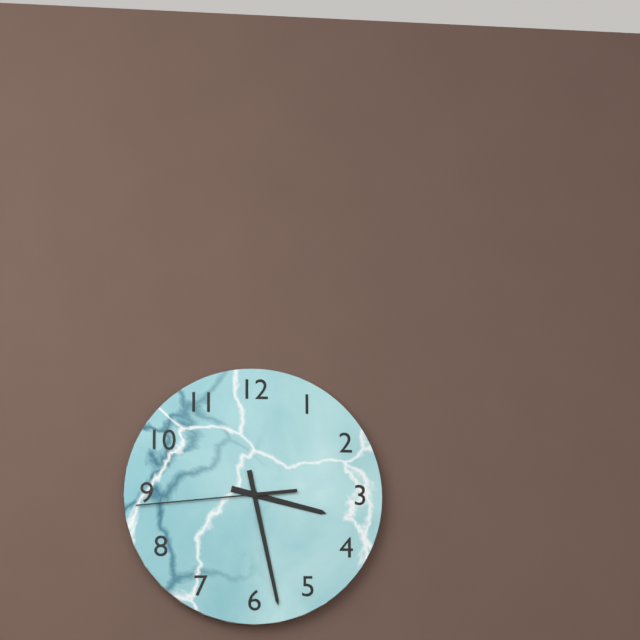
**3:28:44**
